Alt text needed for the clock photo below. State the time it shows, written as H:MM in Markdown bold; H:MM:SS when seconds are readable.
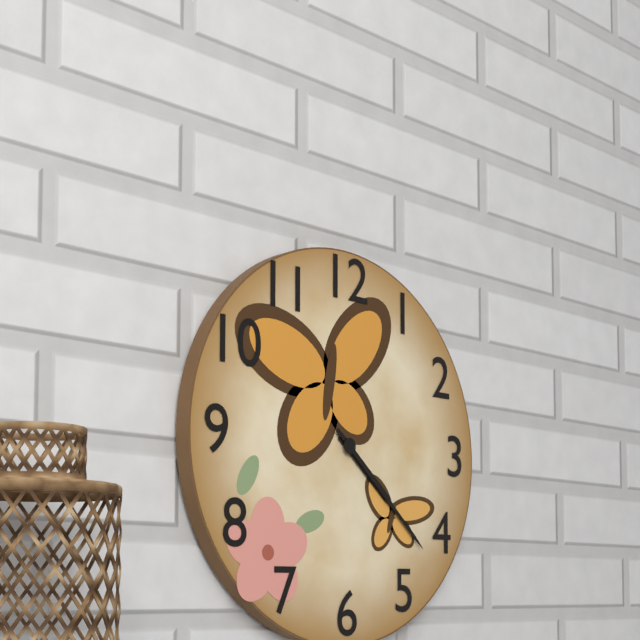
**4:22**
